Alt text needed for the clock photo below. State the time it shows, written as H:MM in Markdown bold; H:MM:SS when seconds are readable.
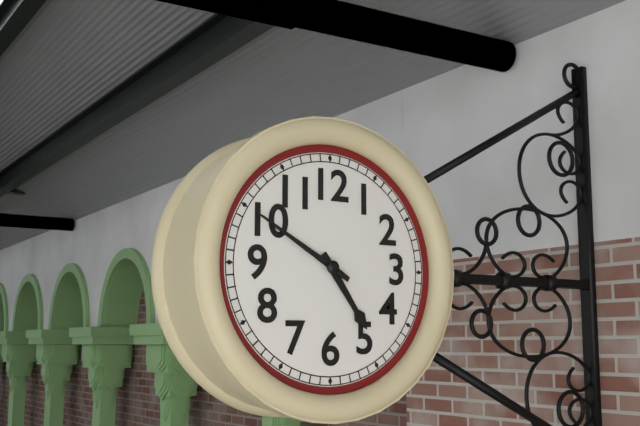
**4:50**
